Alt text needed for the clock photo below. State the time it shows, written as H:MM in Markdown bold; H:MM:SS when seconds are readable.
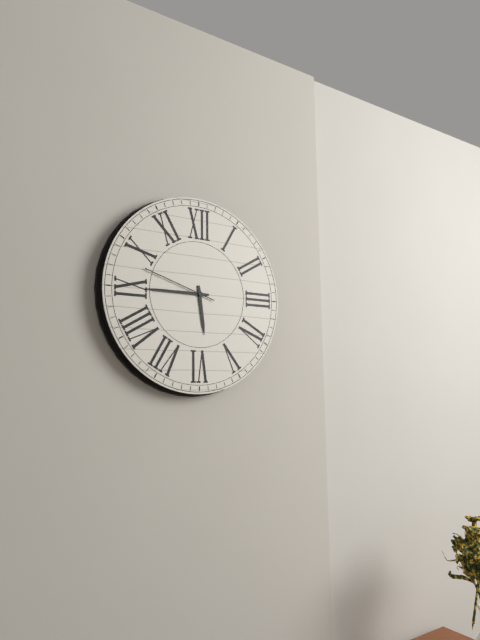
**5:45:48**
